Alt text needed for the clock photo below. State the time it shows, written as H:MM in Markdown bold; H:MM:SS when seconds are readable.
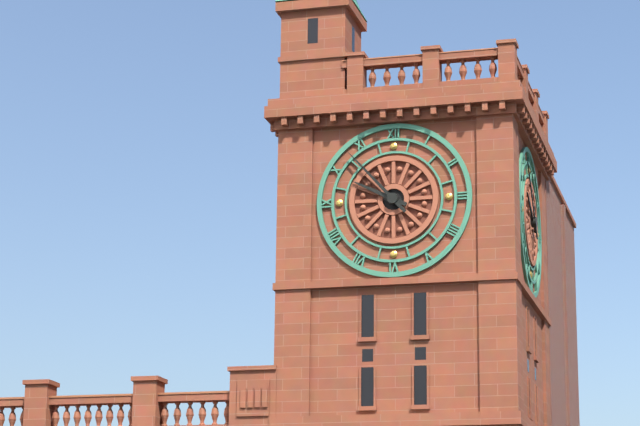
**9:53**
